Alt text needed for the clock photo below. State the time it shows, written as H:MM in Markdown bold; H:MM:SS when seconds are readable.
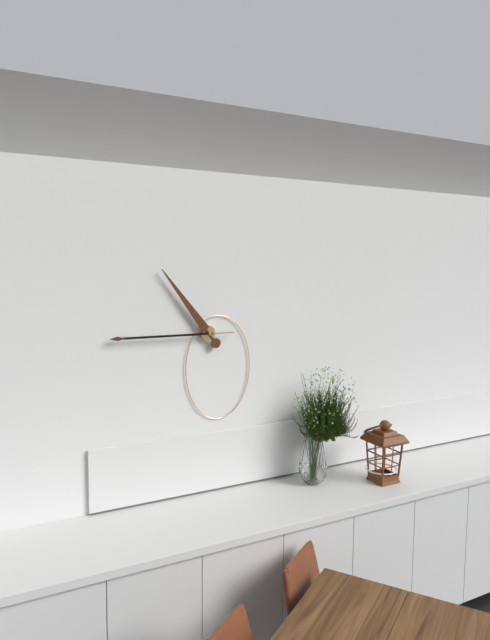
**10:45**
